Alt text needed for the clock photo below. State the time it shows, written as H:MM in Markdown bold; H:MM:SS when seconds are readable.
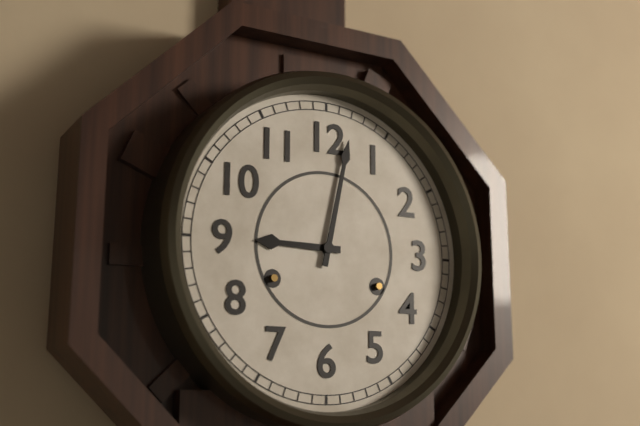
**9:02**
